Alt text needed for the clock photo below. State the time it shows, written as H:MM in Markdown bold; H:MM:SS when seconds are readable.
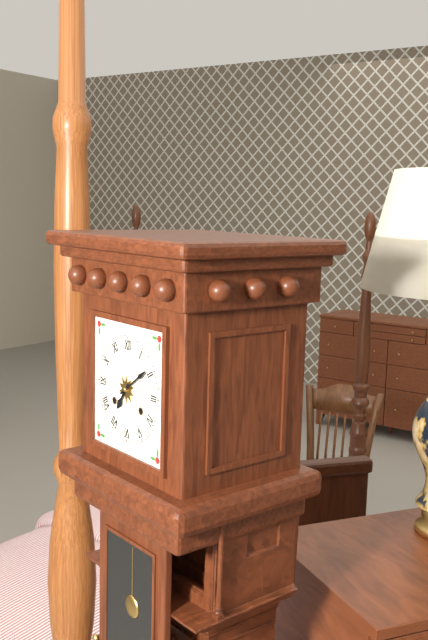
**7:09**
